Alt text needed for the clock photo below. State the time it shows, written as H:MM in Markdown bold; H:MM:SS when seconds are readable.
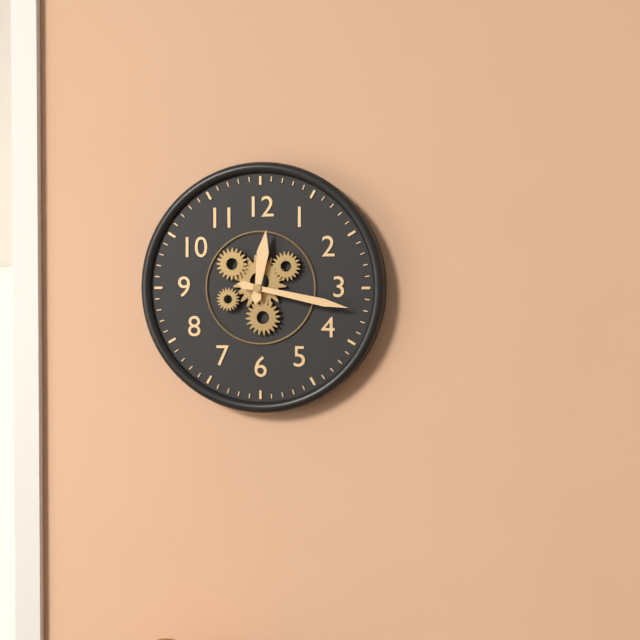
**12:17**
